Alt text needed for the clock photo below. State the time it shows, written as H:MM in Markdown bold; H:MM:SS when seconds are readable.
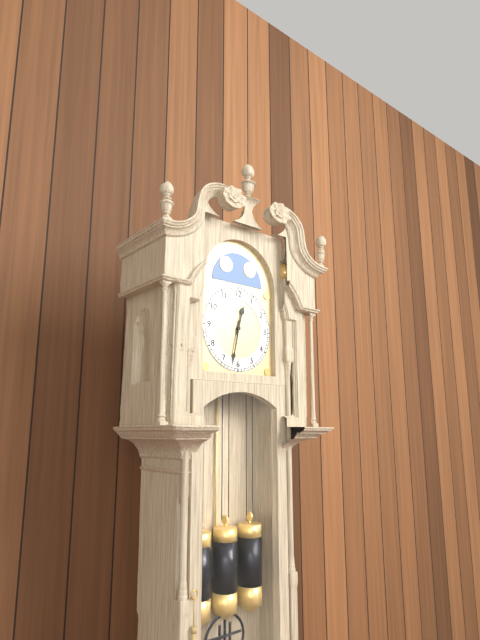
**12:32**
